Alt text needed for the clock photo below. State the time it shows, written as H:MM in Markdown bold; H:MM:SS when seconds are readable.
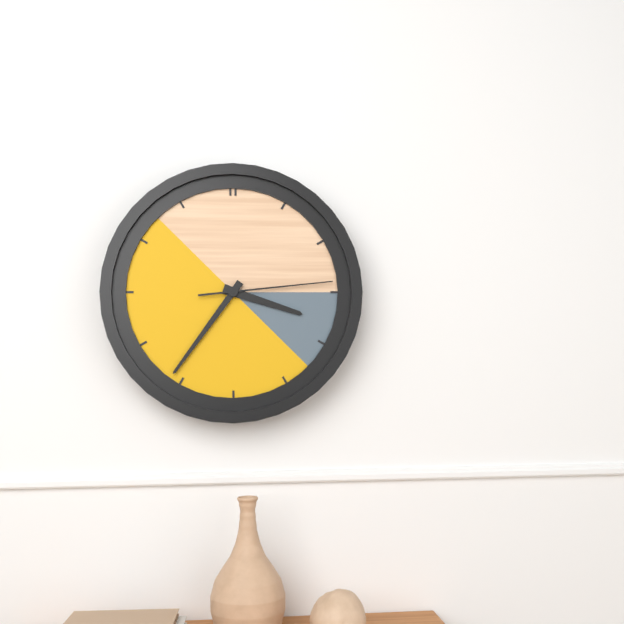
**3:36:14**
